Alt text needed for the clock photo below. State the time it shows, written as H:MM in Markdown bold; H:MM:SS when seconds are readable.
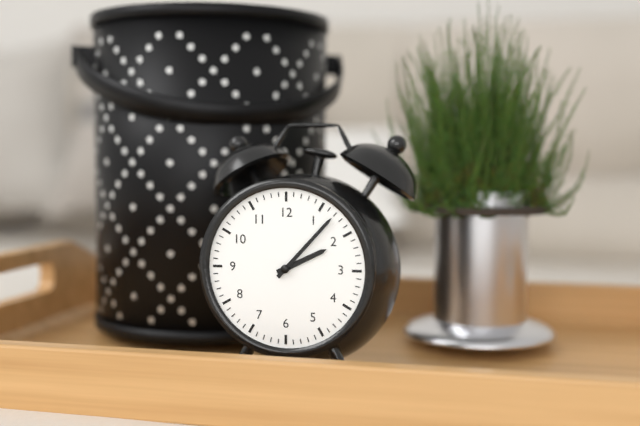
**2:07**
